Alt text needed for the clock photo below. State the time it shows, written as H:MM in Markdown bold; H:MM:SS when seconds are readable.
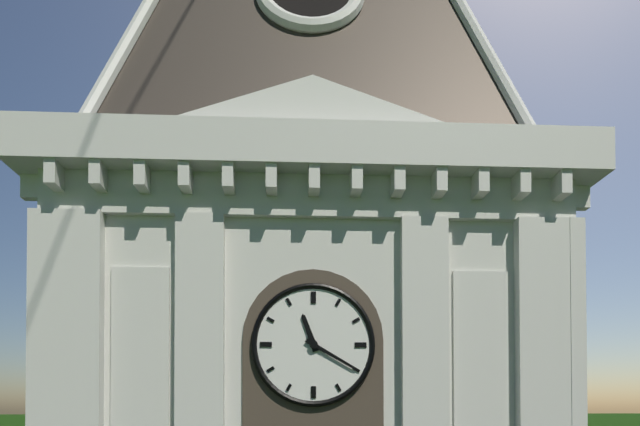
**11:20**
